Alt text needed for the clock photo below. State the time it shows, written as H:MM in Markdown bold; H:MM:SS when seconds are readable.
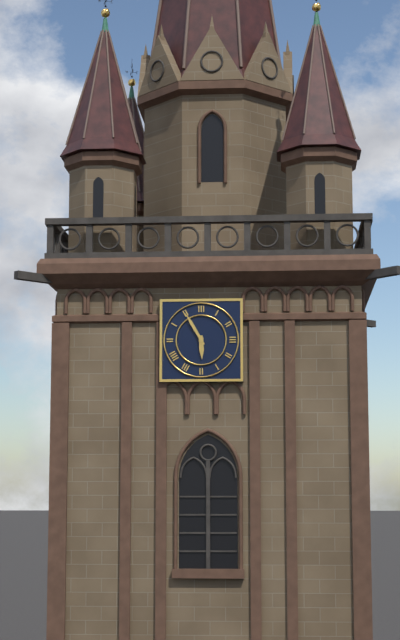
**5:55**
